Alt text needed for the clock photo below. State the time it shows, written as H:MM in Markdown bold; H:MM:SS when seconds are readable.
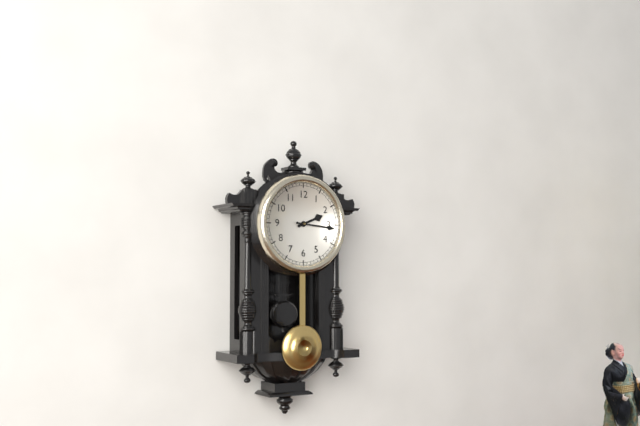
**2:16**
